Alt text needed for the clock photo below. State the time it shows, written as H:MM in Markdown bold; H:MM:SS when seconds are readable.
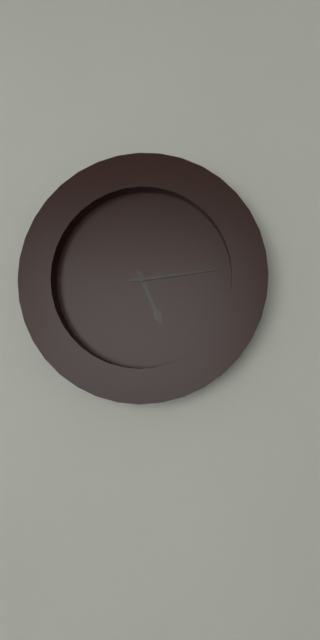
**5:14**
